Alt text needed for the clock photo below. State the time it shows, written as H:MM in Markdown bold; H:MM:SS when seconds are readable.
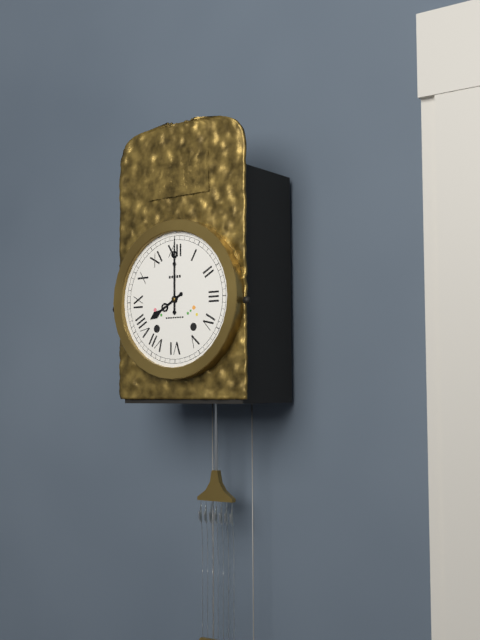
**8:00**
